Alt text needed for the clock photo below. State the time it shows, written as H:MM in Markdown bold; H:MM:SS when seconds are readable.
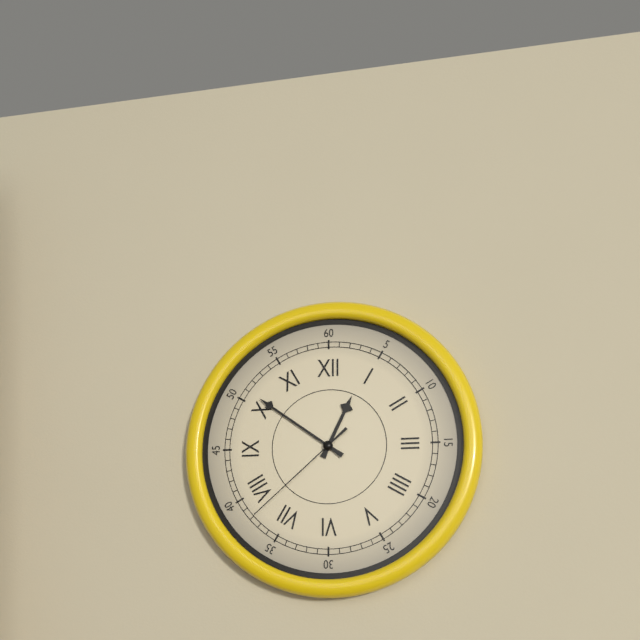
**12:51:38**
